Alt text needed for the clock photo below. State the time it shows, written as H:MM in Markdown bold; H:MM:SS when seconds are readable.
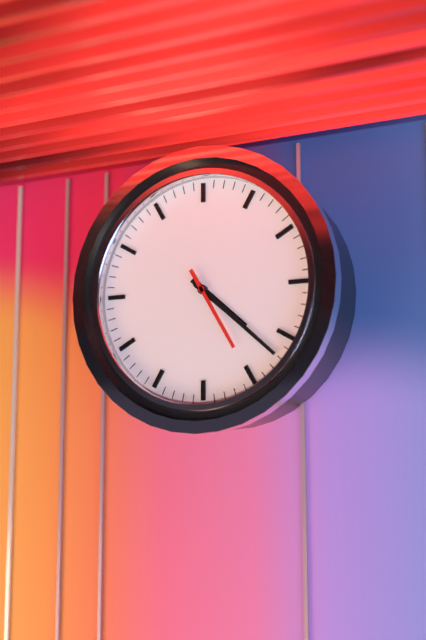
**4:22:25**
